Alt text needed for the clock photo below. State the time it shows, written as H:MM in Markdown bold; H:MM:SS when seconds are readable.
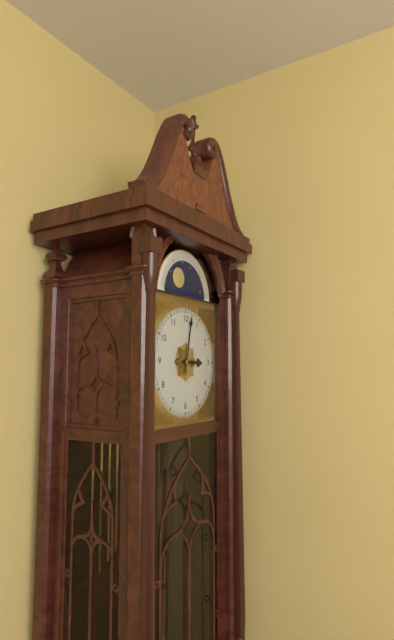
**3:02**
